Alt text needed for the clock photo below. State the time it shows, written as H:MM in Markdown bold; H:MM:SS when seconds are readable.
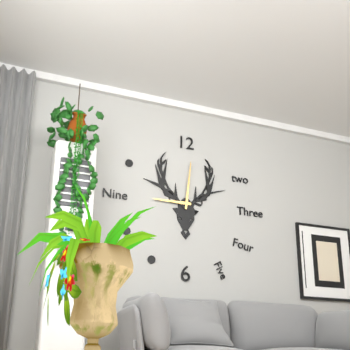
**9:01**
